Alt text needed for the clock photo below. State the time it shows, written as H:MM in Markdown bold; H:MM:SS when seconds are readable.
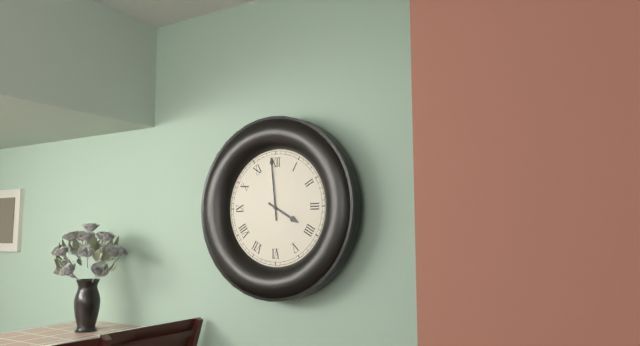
**3:59**
